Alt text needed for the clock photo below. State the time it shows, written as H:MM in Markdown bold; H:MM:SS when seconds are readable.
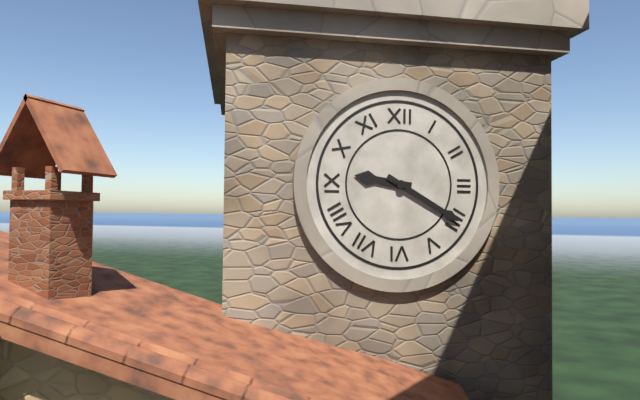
**9:20**
